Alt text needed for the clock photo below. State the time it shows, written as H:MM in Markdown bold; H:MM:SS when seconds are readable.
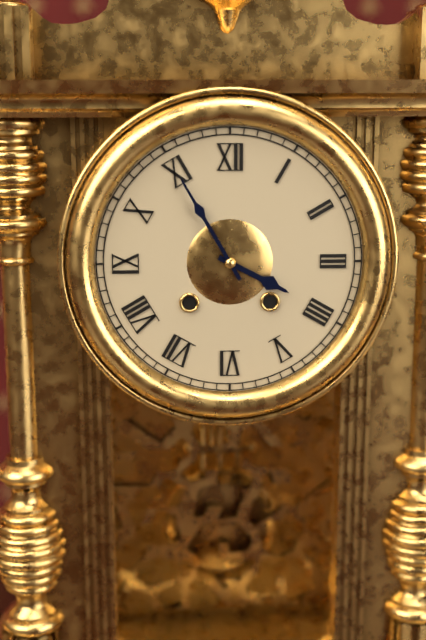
**3:55**
